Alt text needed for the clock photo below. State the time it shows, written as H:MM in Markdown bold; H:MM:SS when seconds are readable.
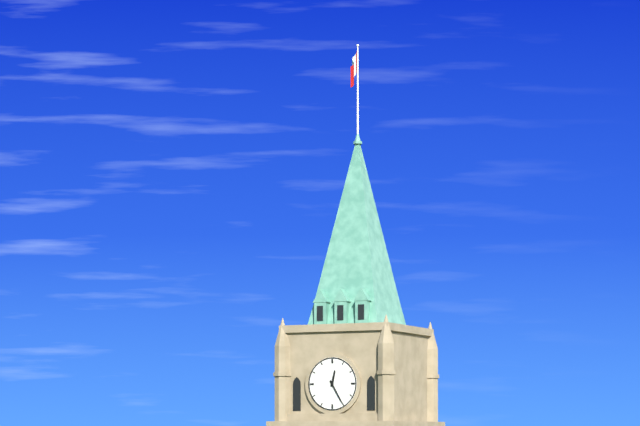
**12:25**
